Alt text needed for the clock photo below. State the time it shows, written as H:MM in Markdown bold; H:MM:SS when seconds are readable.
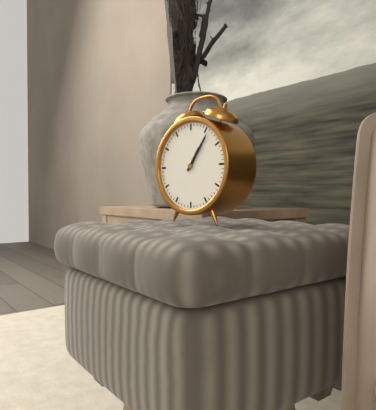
**1:06**
